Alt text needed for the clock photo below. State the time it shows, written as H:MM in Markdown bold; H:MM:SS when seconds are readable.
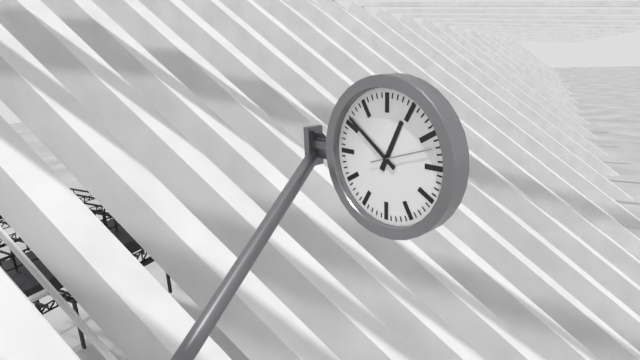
**12:51:12**
